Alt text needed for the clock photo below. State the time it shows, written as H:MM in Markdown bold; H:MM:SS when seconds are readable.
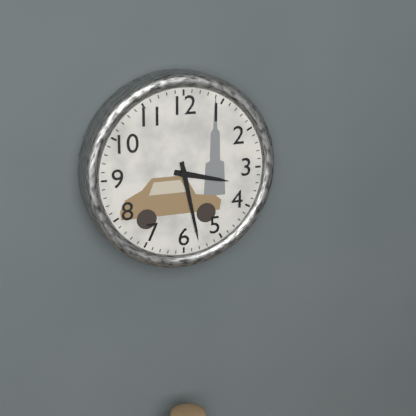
**3:28**
